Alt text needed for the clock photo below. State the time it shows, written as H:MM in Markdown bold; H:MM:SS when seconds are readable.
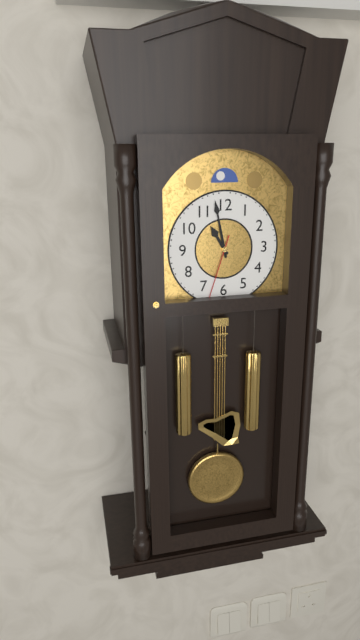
**10:58:33**
